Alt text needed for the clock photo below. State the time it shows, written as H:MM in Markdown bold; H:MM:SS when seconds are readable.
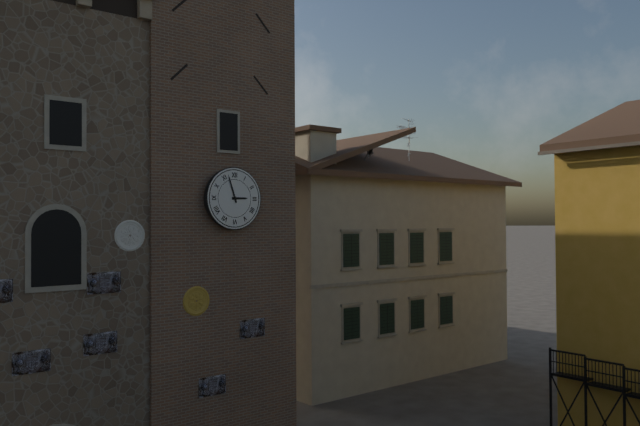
**2:57**
